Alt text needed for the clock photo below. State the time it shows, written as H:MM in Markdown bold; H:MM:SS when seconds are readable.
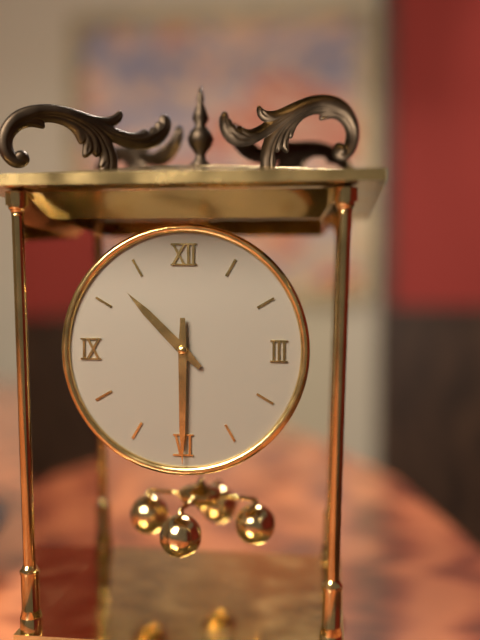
**10:30**
